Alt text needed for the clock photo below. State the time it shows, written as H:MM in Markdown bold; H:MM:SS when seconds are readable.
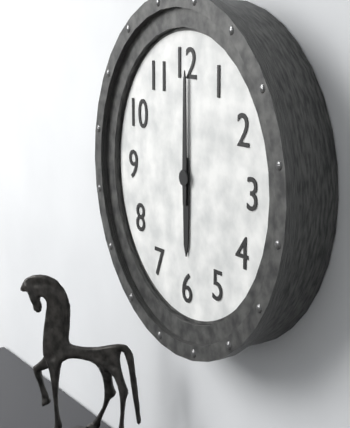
**6:00**
